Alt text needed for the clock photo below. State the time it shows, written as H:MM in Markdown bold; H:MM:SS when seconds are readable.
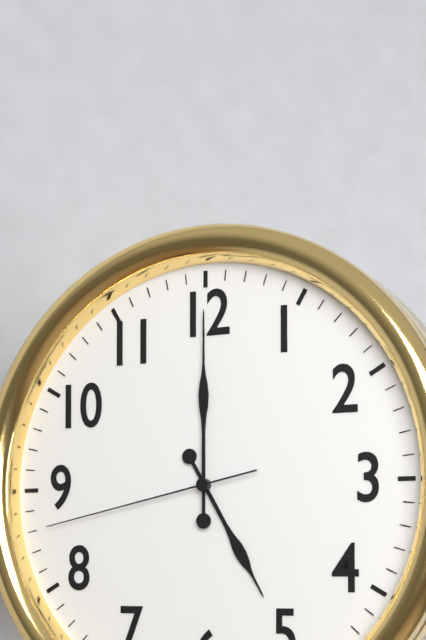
**5:00:43**
